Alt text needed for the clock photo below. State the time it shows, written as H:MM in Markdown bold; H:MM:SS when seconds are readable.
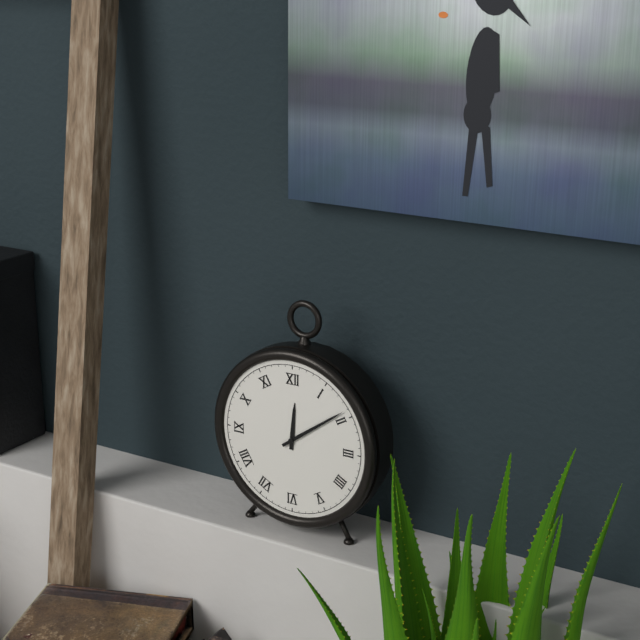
**12:09**
